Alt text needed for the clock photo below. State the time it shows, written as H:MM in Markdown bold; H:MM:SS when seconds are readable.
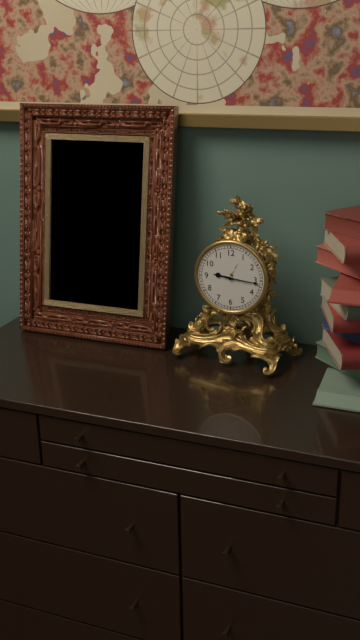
**9:16**
